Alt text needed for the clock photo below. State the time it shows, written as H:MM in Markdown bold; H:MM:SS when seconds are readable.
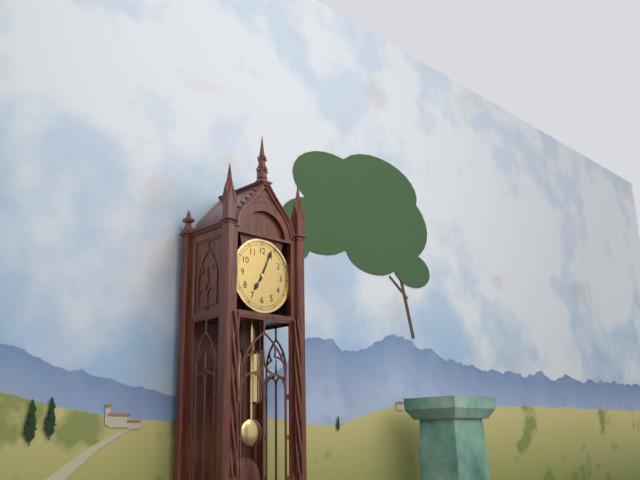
**7:04**
